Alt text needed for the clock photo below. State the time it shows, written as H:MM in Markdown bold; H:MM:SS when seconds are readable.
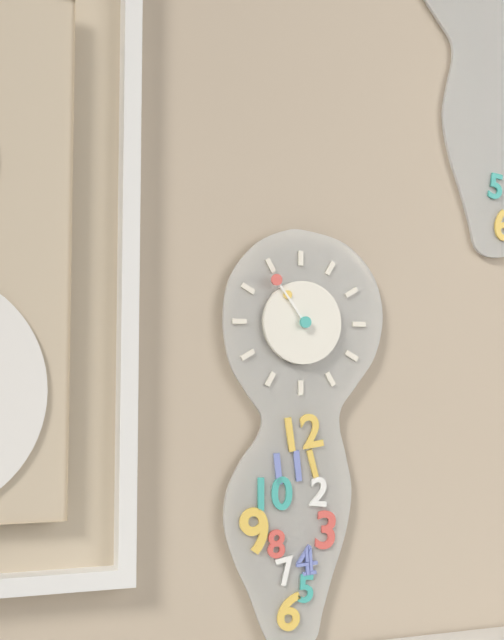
**10:54**
